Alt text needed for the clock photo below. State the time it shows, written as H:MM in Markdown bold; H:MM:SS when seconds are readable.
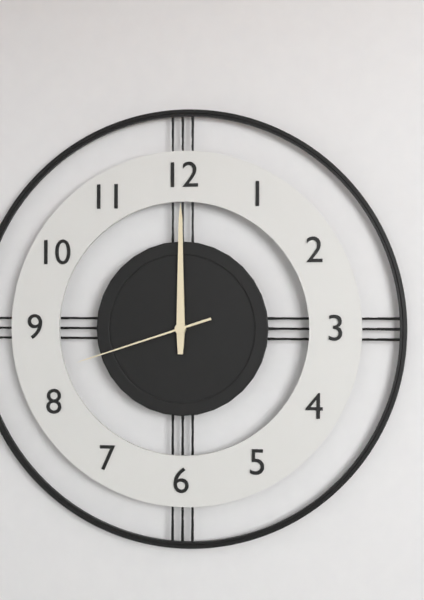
**12:00:42**
